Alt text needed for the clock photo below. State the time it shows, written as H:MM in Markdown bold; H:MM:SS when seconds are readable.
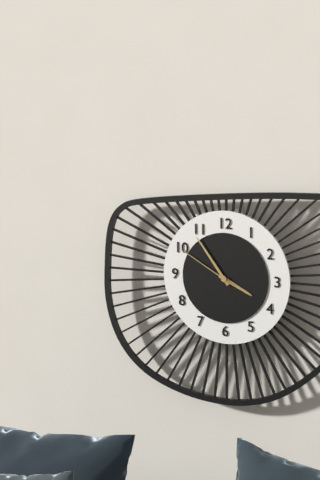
**3:54:50**
